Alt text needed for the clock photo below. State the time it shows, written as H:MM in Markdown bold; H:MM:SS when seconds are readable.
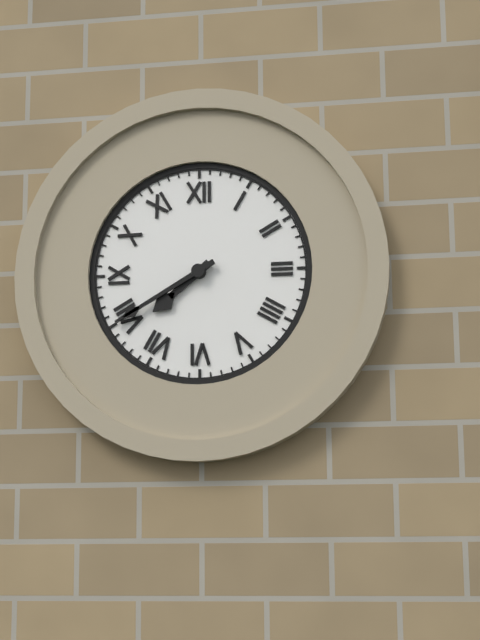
**7:40**
